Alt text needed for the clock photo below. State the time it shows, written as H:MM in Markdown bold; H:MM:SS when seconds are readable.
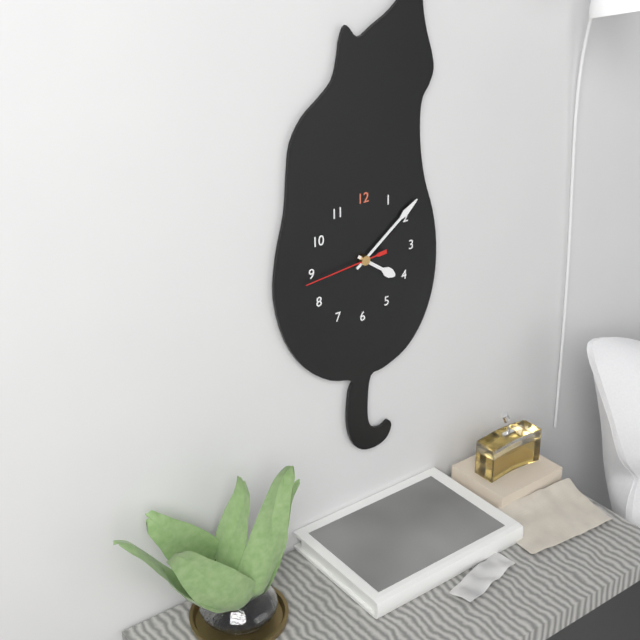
**4:09:44**
